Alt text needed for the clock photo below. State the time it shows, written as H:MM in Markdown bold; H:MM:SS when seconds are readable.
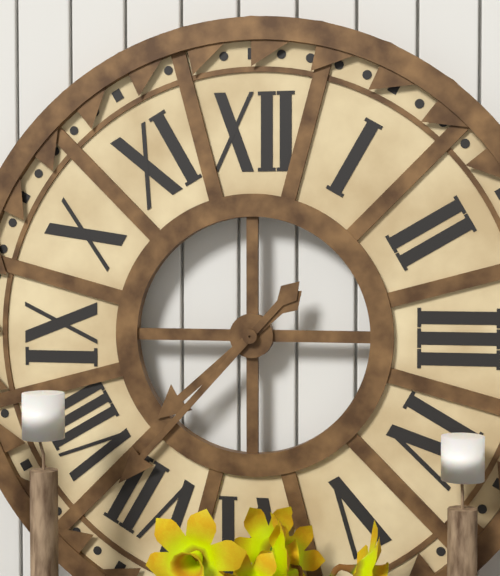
**7:37**
